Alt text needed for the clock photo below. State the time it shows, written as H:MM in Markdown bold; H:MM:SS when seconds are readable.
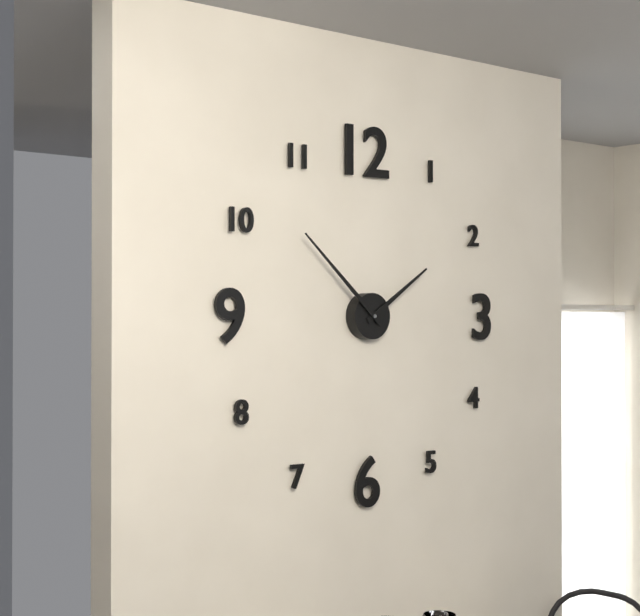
**1:52**
